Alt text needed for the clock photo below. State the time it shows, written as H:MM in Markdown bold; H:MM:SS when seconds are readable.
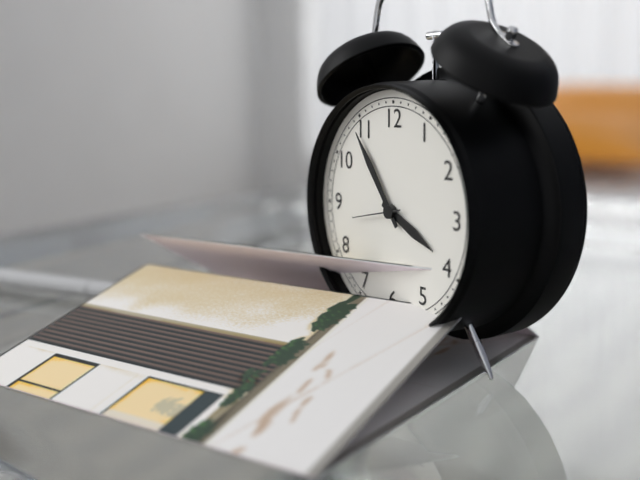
**3:54**
